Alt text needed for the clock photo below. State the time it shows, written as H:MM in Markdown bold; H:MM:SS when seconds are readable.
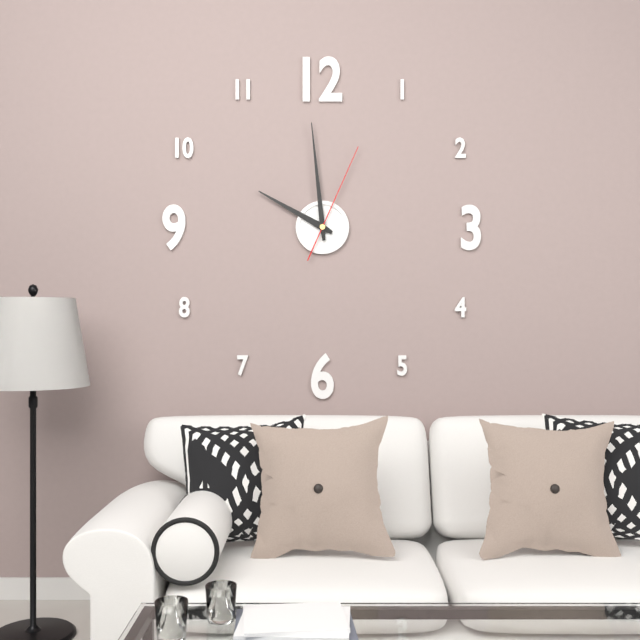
**9:59:04**
